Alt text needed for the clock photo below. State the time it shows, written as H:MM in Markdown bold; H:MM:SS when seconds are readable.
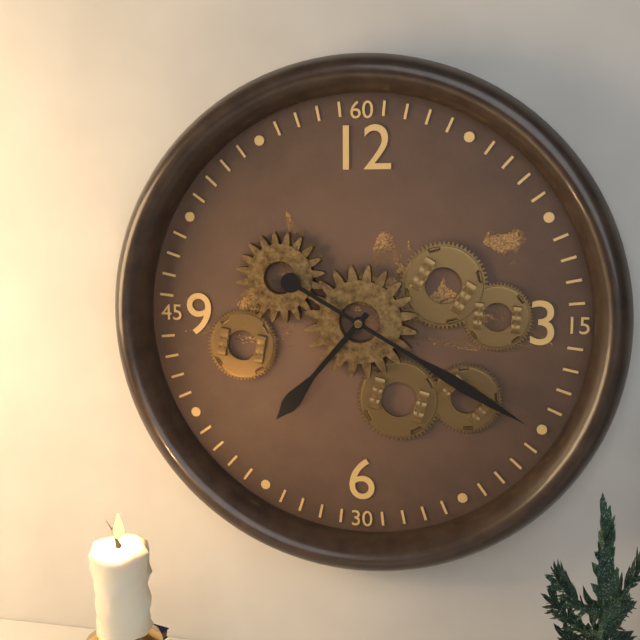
**7:20**
